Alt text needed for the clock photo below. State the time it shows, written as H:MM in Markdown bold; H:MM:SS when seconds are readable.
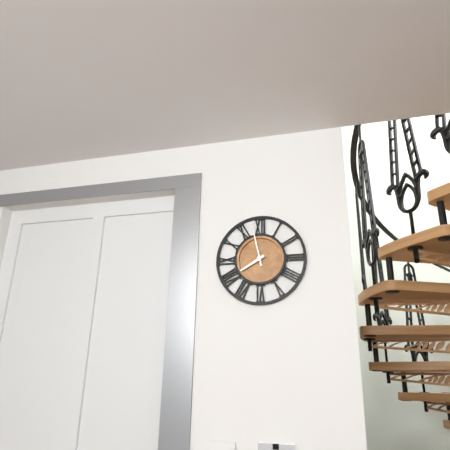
**7:58**
